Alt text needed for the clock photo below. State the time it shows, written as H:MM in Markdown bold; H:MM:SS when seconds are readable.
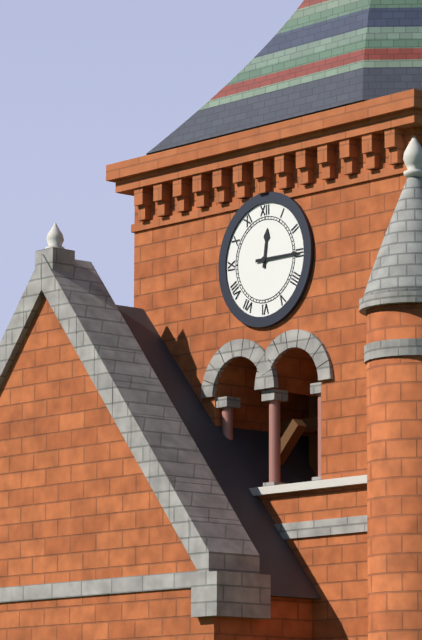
**12:15**
